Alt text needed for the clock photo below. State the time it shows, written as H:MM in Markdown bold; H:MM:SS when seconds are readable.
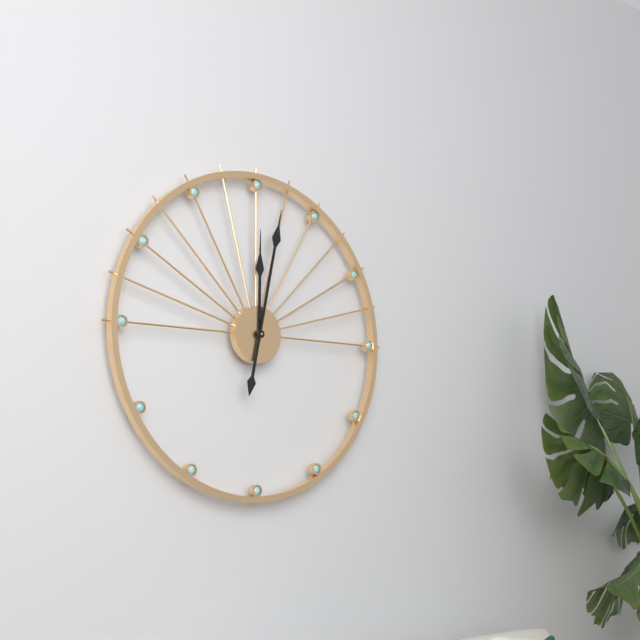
**12:02**
